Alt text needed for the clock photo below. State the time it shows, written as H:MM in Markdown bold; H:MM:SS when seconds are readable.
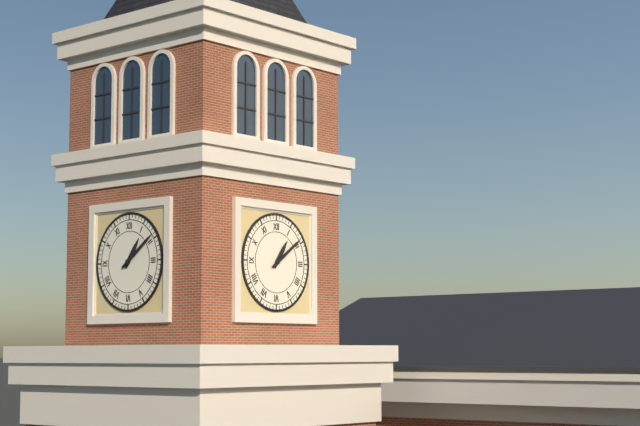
**1:09**
